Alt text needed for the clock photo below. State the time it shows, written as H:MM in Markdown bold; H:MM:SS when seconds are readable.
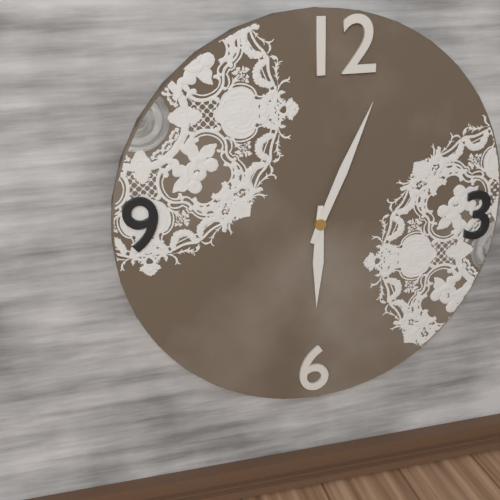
**6:04**
